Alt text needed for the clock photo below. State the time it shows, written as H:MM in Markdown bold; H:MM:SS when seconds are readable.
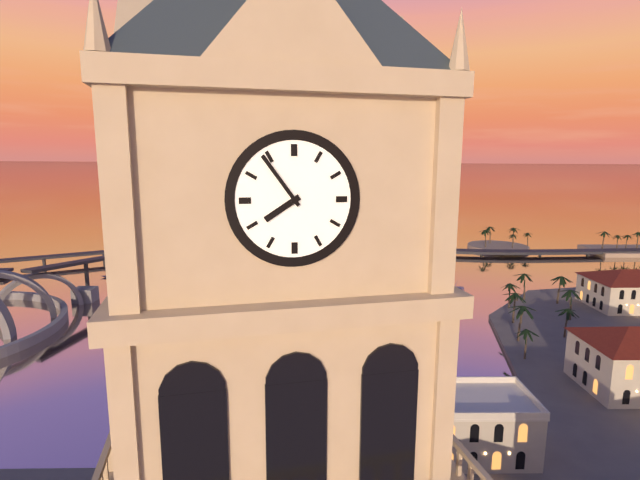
**7:54**
